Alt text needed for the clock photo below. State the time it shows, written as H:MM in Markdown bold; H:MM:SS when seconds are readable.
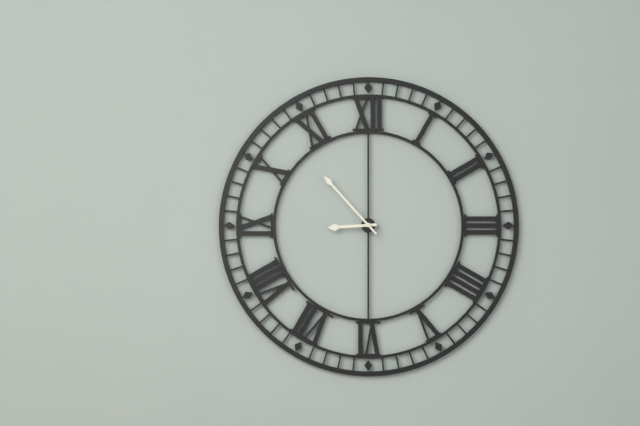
**8:53**
